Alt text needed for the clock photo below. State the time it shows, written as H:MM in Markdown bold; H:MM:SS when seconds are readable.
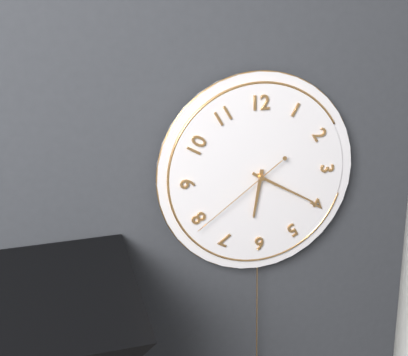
**6:20:39**
